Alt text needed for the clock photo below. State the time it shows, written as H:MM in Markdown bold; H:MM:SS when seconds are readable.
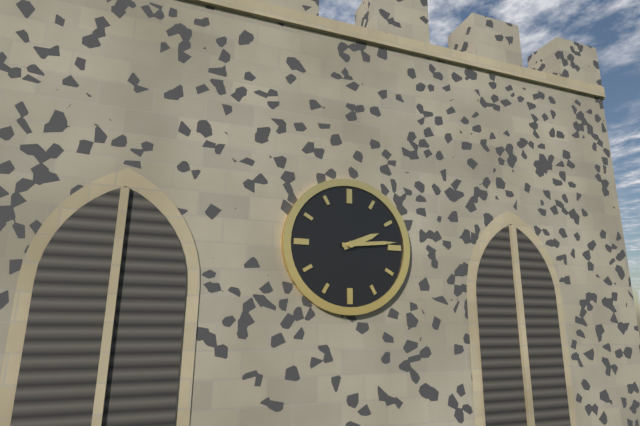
**2:14**
